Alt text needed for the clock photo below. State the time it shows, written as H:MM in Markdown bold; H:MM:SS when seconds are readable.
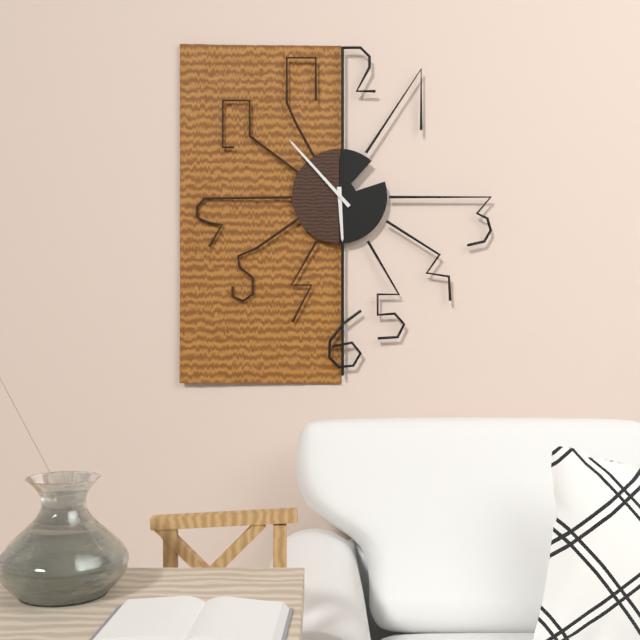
**5:53**
